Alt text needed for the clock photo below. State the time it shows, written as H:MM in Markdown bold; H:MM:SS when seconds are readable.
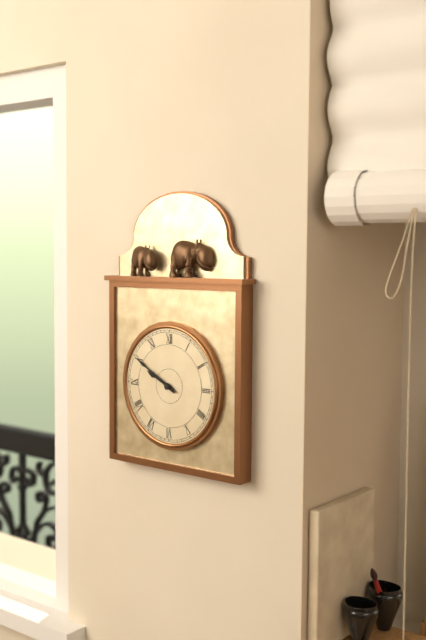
**9:50**
